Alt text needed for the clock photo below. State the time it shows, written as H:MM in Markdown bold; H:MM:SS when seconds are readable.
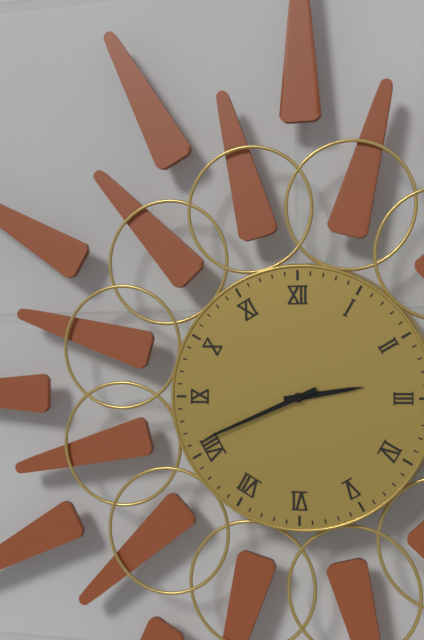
**2:41**
